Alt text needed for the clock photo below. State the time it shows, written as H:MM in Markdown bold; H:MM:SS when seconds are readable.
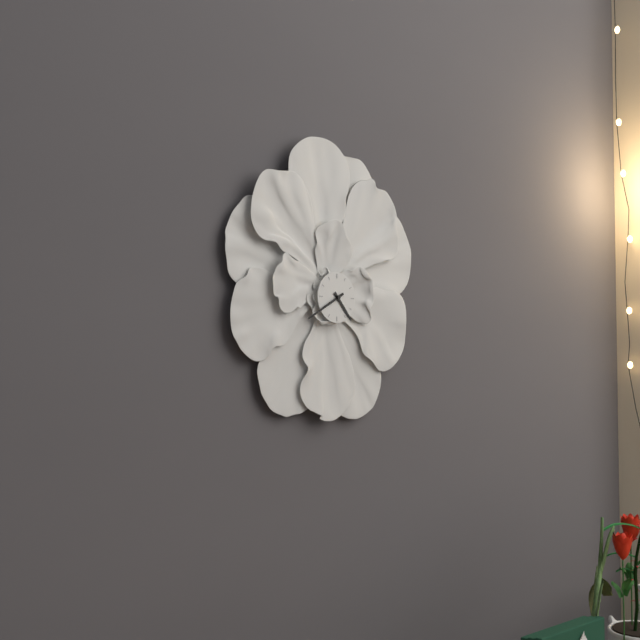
**4:40**
